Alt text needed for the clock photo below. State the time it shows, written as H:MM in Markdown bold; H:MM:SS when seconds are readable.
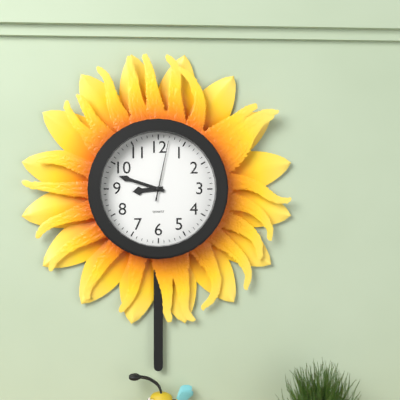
**8:48:02**
